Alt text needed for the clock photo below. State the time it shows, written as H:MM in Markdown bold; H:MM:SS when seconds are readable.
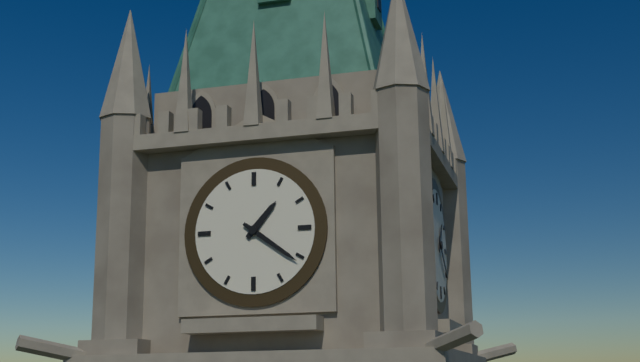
**1:21**
